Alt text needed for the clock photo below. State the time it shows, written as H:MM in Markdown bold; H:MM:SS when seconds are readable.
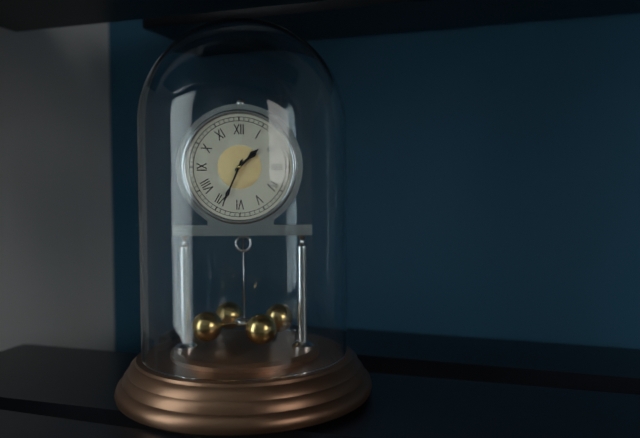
**1:34**
